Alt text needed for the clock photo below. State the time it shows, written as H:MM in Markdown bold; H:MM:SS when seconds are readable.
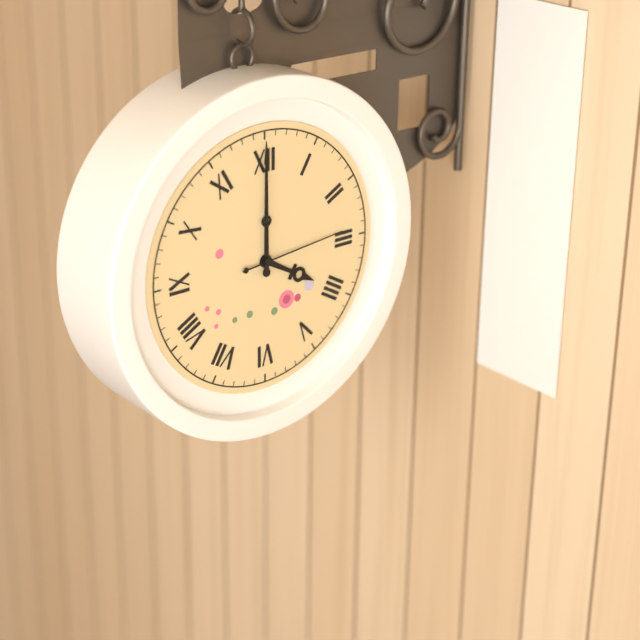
**4:00:14**
